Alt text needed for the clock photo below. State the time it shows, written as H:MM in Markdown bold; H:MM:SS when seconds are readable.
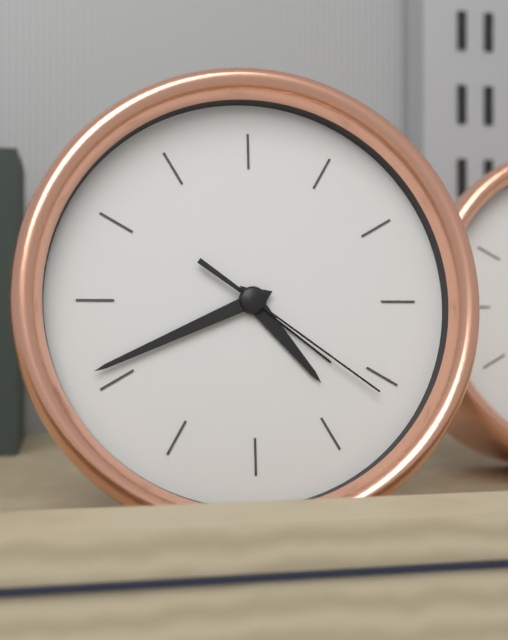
**4:41:21**
